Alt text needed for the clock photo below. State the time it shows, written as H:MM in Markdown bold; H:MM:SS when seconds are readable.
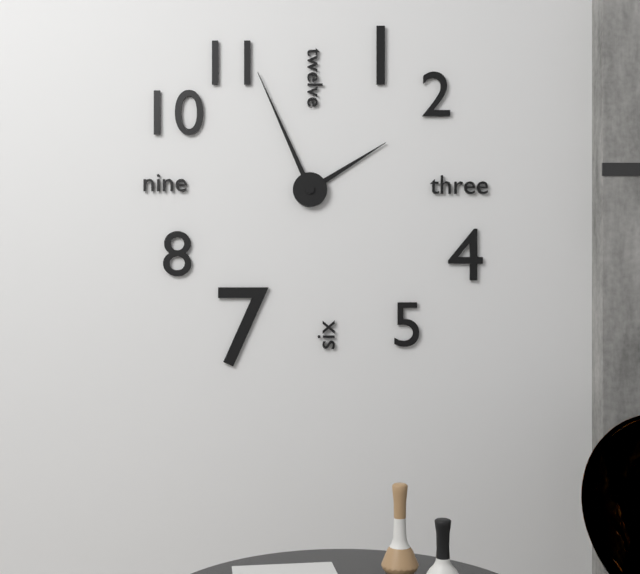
**1:56**
